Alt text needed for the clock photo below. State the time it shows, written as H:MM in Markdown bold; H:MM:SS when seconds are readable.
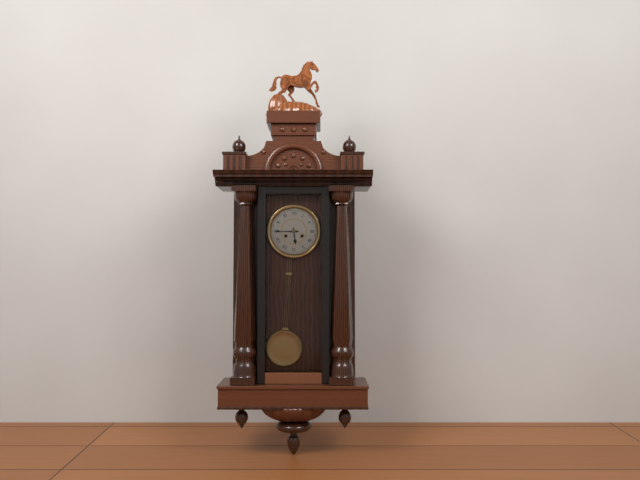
**5:45**
